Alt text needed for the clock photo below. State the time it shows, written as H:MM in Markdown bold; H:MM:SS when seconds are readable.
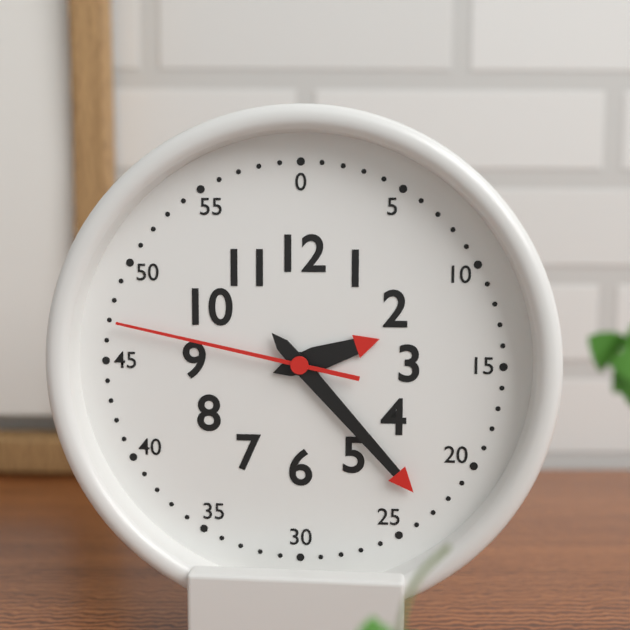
**2:23:47**
